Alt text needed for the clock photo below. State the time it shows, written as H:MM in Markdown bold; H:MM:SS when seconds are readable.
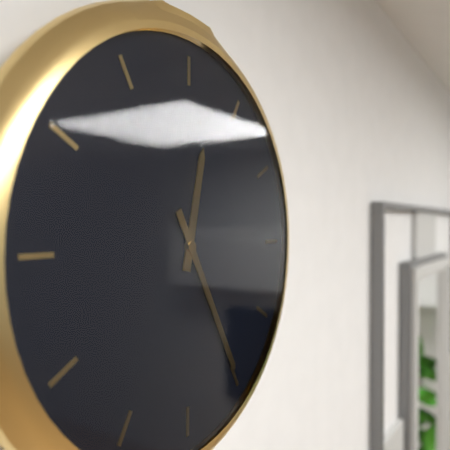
**12:25**
